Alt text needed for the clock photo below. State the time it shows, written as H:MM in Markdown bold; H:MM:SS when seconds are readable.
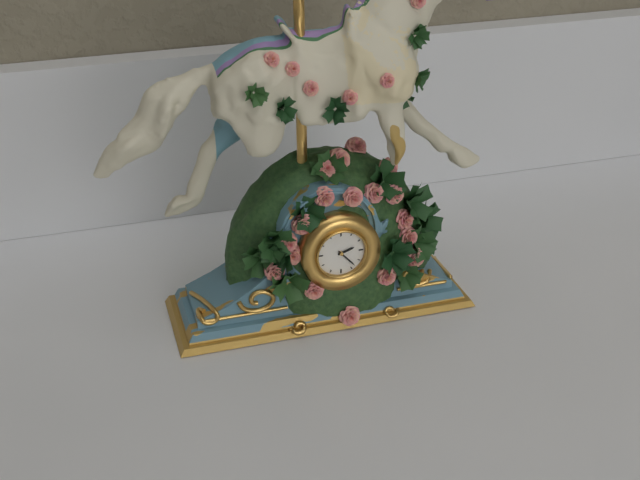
**2:23**
